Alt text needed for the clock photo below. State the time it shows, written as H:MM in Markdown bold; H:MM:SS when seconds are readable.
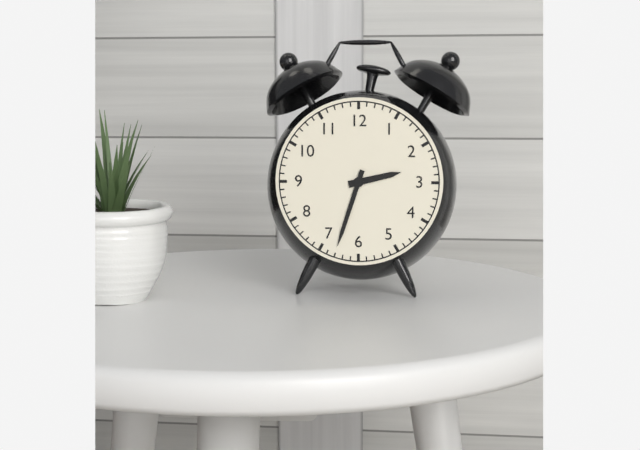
**2:33**
